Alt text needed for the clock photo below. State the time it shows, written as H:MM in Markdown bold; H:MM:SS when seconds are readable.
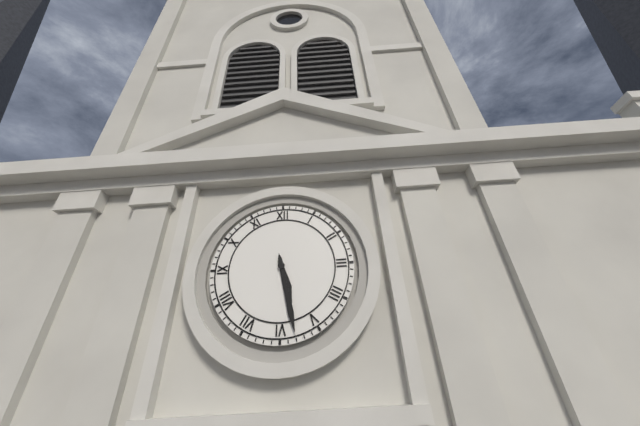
**5:28**
